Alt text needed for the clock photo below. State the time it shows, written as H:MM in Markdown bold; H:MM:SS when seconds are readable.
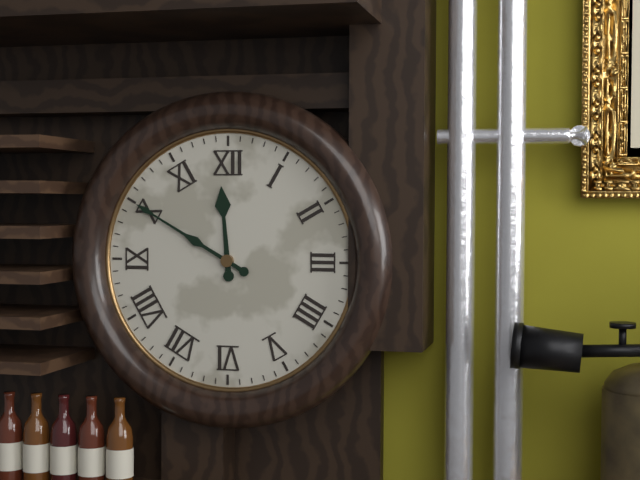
**11:50**
